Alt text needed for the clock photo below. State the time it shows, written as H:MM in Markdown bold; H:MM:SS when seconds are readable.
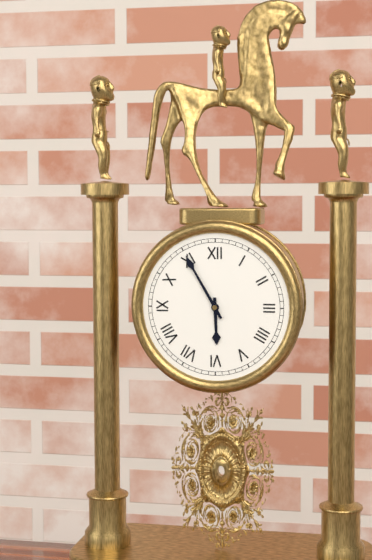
**5:55**
